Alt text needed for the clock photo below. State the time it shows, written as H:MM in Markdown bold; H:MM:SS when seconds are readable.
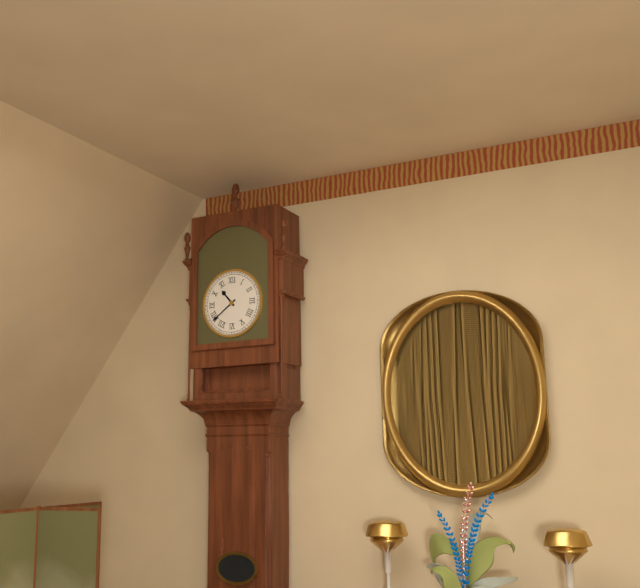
**10:39**
